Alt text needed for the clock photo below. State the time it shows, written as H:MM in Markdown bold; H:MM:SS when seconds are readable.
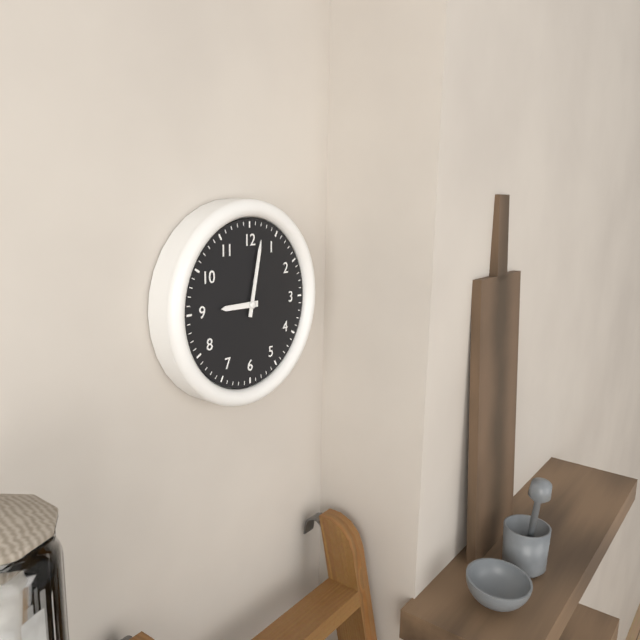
**9:02**
